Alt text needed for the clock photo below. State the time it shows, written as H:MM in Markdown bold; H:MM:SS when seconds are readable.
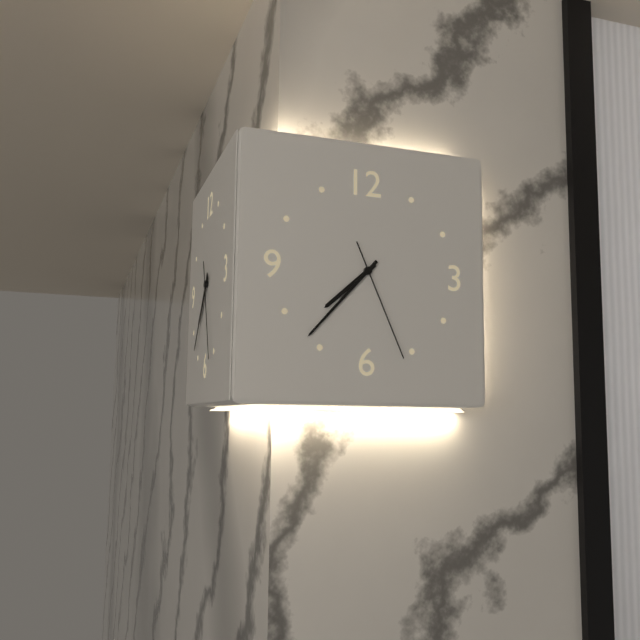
**7:37:26**
